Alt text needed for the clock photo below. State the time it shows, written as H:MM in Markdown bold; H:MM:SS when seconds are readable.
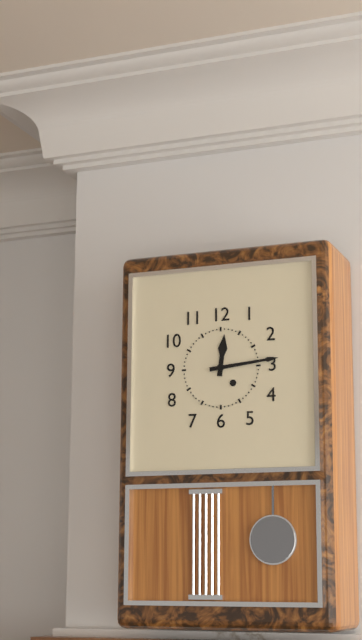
**12:14**
